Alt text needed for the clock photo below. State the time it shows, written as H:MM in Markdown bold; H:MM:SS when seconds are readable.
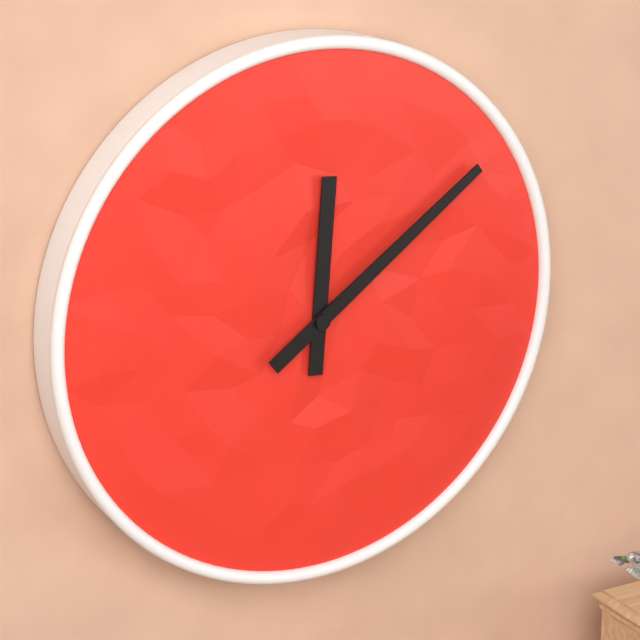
**12:09**
